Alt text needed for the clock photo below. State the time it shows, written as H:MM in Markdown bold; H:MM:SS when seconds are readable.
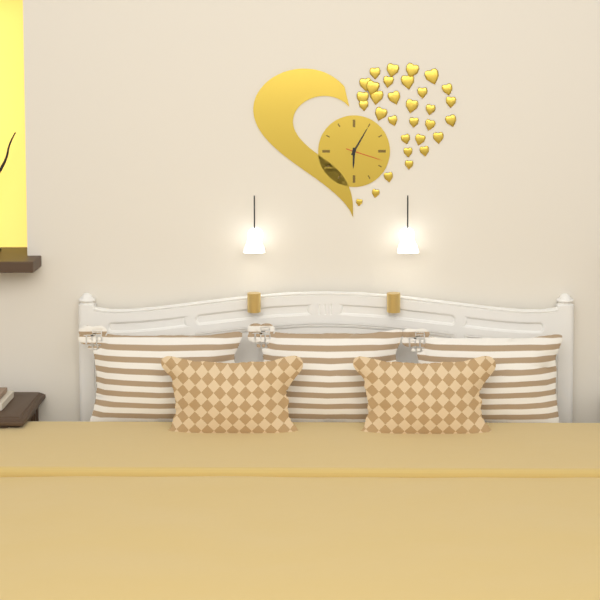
**6:05**
